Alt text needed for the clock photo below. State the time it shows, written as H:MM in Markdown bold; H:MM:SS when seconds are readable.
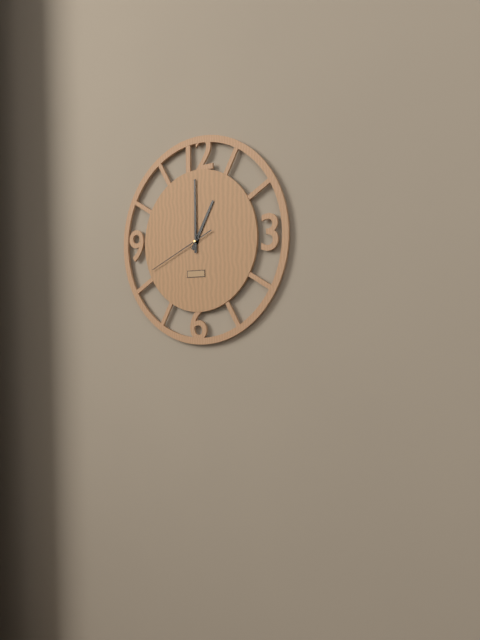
**1:00:41**
